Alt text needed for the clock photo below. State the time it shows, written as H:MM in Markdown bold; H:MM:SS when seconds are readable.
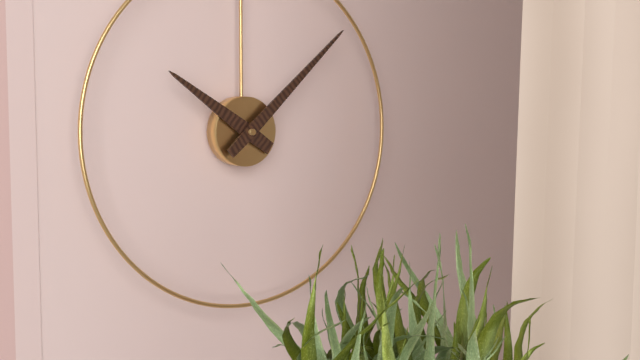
**10:08**
